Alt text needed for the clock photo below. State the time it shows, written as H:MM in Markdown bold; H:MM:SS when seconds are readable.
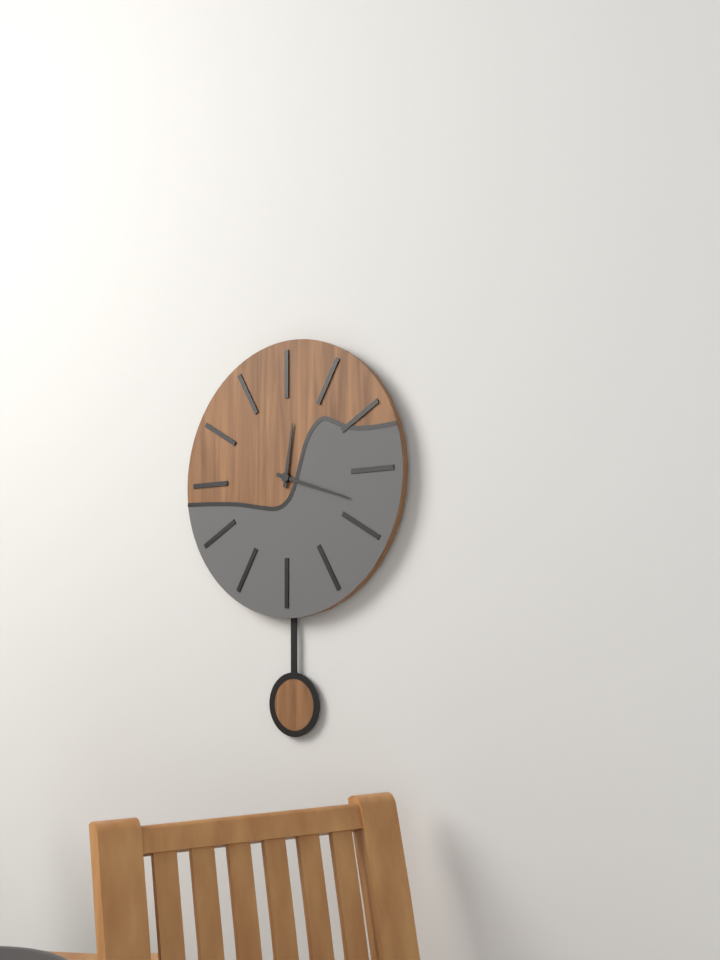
**12:18**
